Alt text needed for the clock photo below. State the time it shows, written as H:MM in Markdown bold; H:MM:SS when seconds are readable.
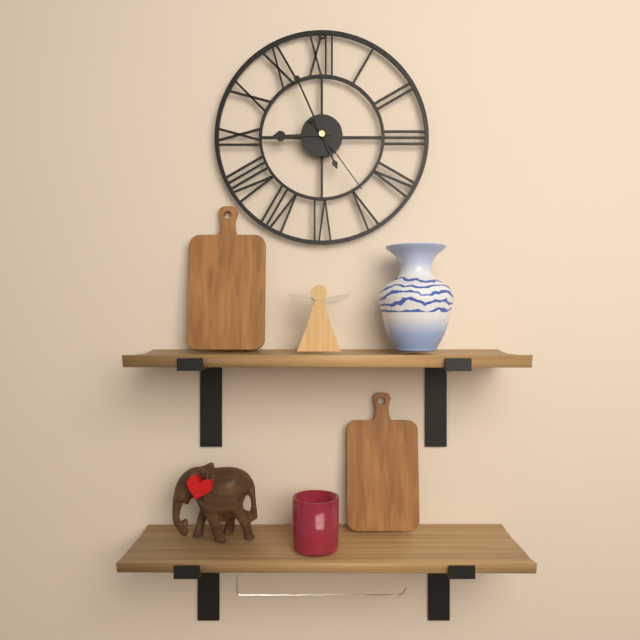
**8:56:24**
